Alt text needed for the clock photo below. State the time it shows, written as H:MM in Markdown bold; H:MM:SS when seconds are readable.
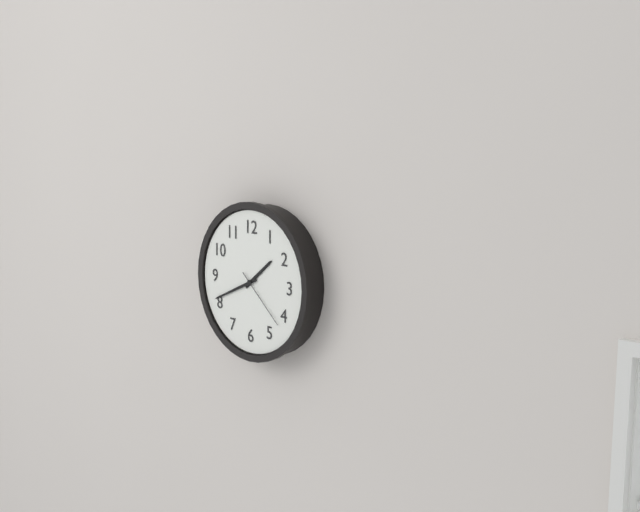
**1:41:22**
